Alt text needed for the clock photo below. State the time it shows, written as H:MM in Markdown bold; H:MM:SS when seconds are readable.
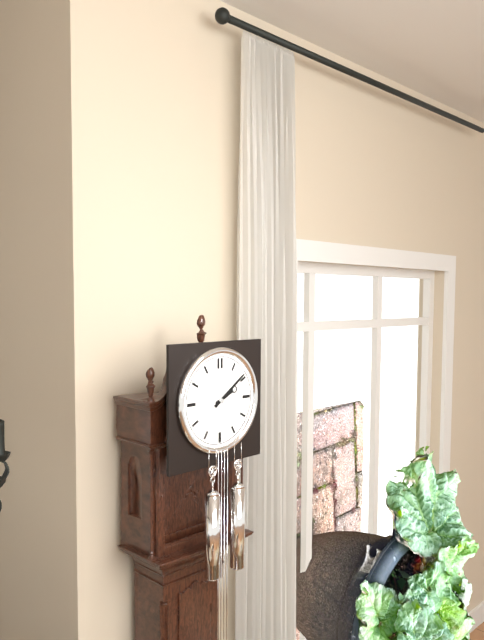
**2:09**
